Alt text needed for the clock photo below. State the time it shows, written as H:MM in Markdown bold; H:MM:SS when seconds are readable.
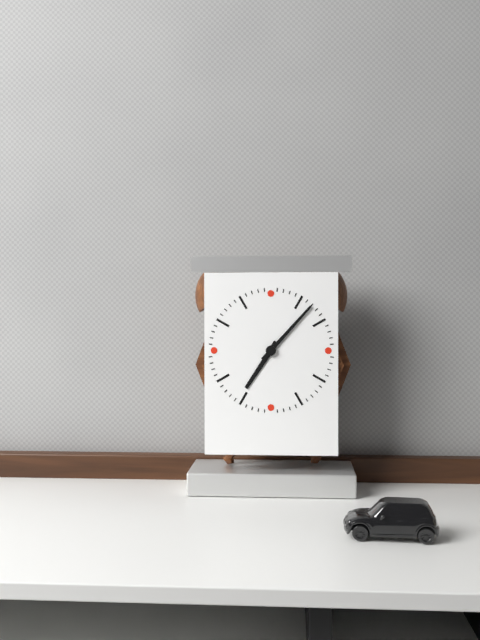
**7:07**
